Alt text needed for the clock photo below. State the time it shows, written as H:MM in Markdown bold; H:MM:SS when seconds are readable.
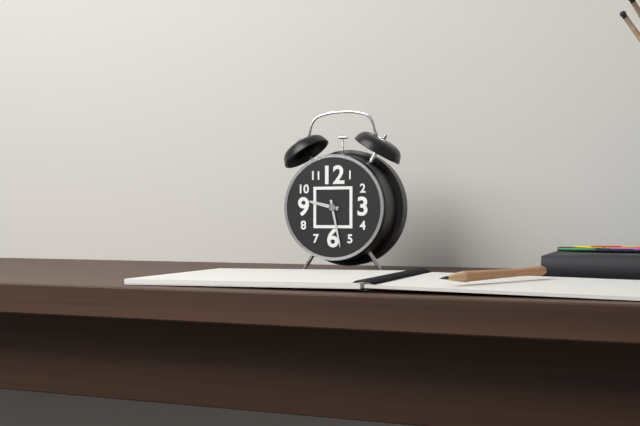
**9:28**
